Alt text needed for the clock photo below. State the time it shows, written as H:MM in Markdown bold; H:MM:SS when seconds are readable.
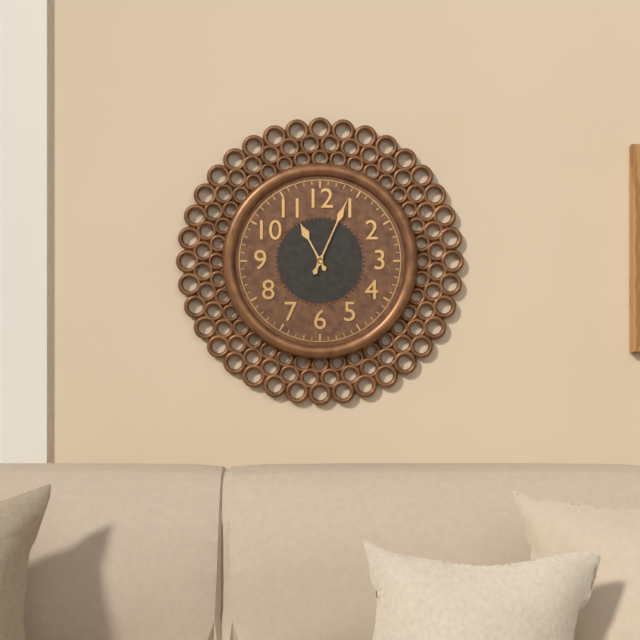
**11:04**
